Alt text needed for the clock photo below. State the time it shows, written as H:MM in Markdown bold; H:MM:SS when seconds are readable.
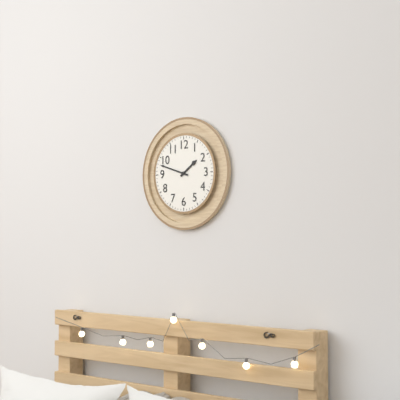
**1:48**
